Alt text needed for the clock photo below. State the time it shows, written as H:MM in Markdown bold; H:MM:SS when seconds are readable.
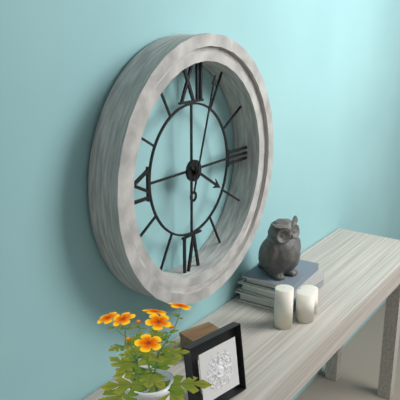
**4:03**
